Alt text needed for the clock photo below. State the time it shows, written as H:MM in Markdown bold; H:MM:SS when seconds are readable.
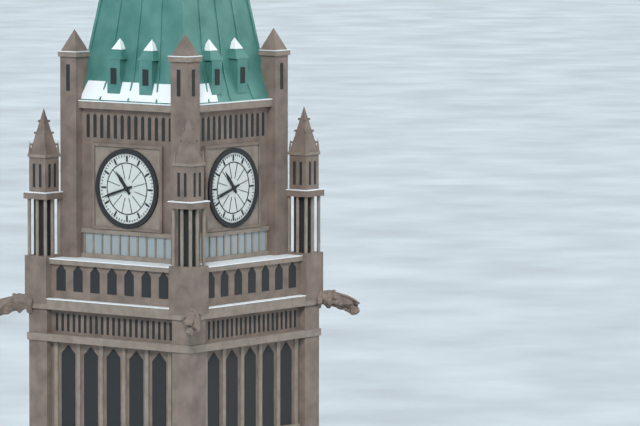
**10:42**
